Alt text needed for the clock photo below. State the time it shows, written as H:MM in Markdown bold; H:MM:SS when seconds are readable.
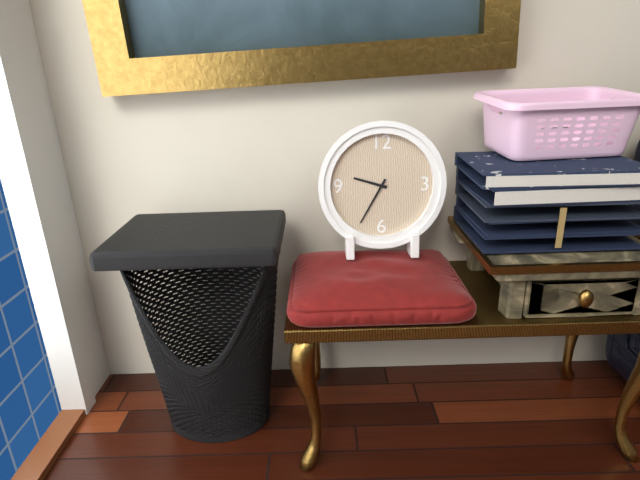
**9:35**
